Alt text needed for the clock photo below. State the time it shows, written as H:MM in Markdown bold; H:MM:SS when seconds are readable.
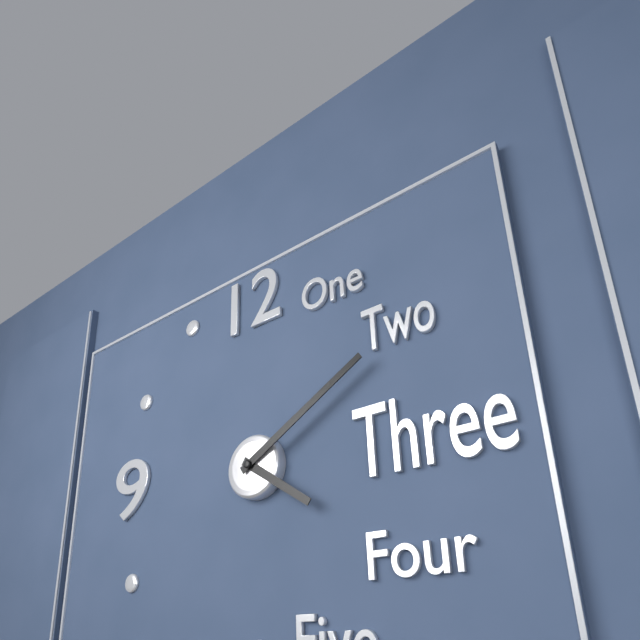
**4:10**
